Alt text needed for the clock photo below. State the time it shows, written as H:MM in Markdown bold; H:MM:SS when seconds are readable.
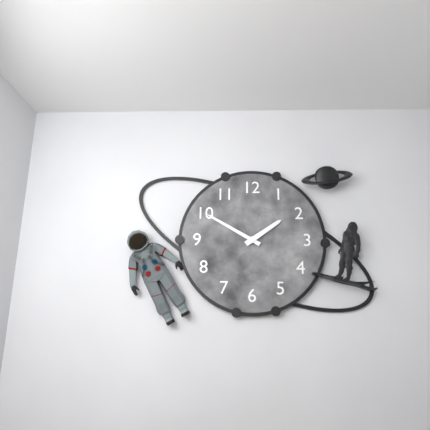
**1:50**
